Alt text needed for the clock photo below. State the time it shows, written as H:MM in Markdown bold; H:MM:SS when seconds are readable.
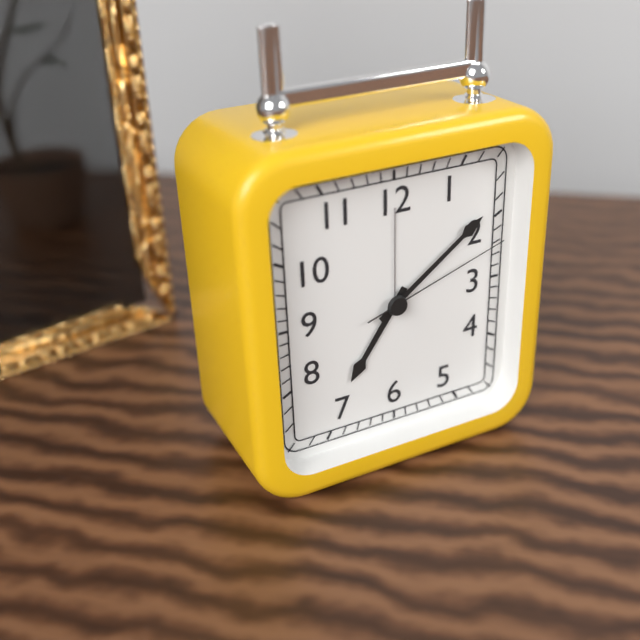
**7:09:12**
